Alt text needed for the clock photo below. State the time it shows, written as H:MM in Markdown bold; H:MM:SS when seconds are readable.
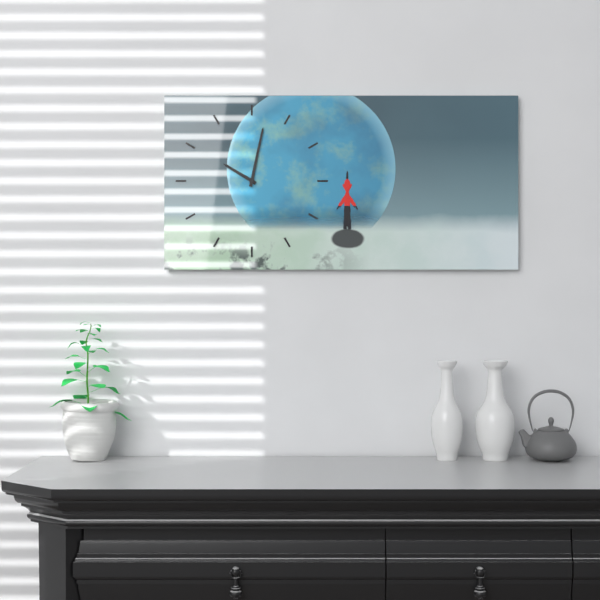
**10:02**
